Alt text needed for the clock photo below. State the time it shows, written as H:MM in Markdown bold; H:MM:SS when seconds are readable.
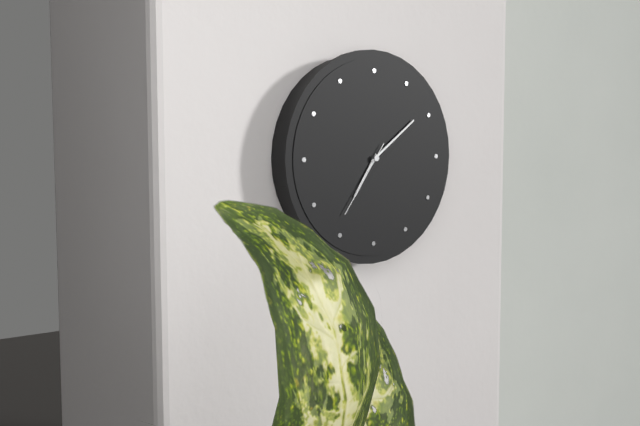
**7:09:36**
